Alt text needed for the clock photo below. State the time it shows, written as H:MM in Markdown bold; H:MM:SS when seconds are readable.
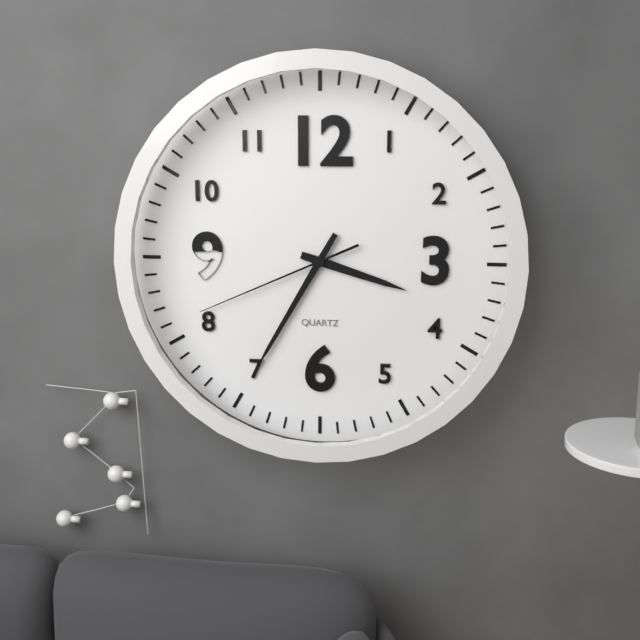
**3:35:41**
